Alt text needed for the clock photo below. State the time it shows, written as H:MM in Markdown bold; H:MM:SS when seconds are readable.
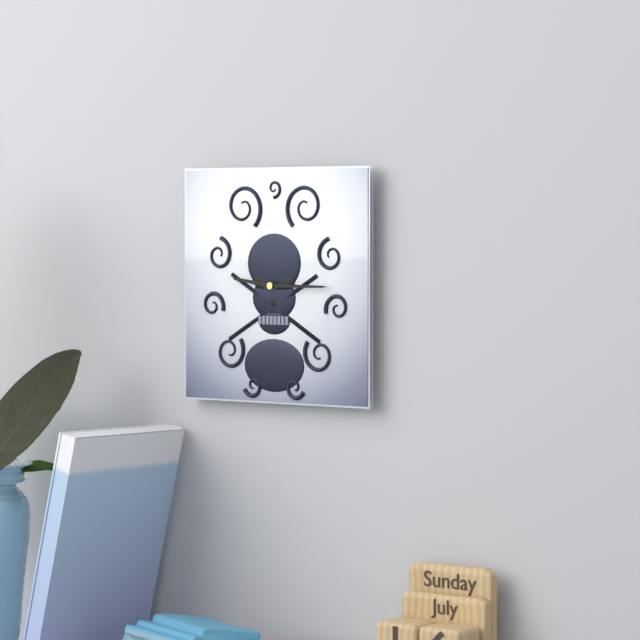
**9:15**
